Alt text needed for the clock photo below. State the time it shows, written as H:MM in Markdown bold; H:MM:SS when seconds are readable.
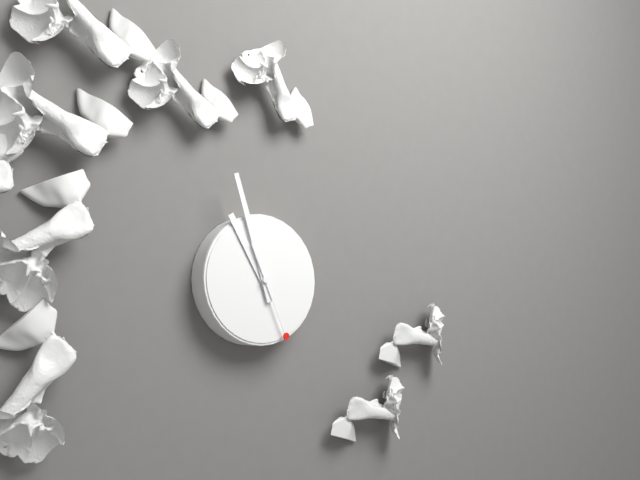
**10:57:26**
